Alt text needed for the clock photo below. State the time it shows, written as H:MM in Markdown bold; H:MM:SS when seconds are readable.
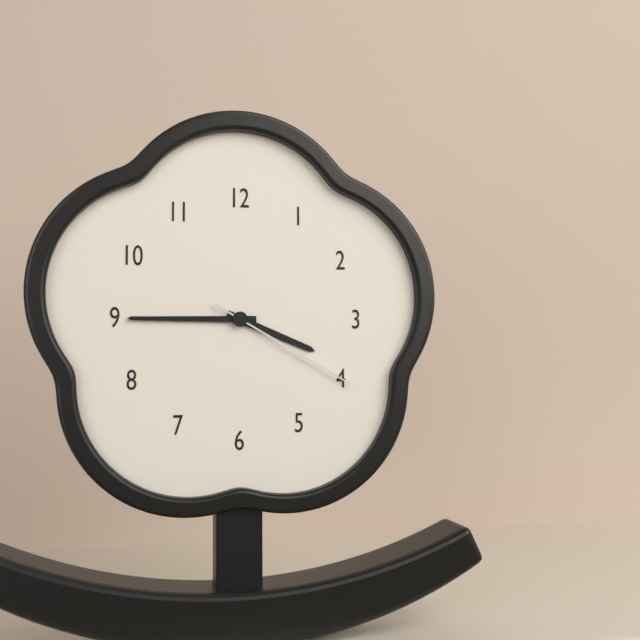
**3:45:20**
